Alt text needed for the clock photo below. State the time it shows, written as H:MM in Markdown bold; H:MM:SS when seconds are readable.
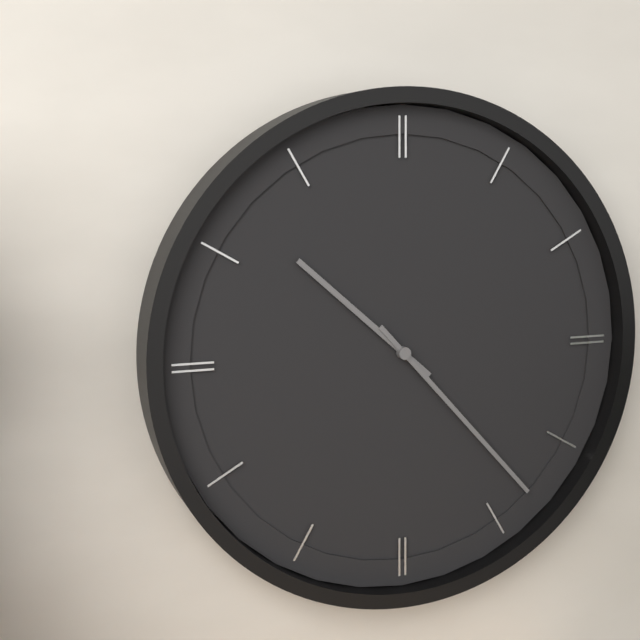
**10:23**
